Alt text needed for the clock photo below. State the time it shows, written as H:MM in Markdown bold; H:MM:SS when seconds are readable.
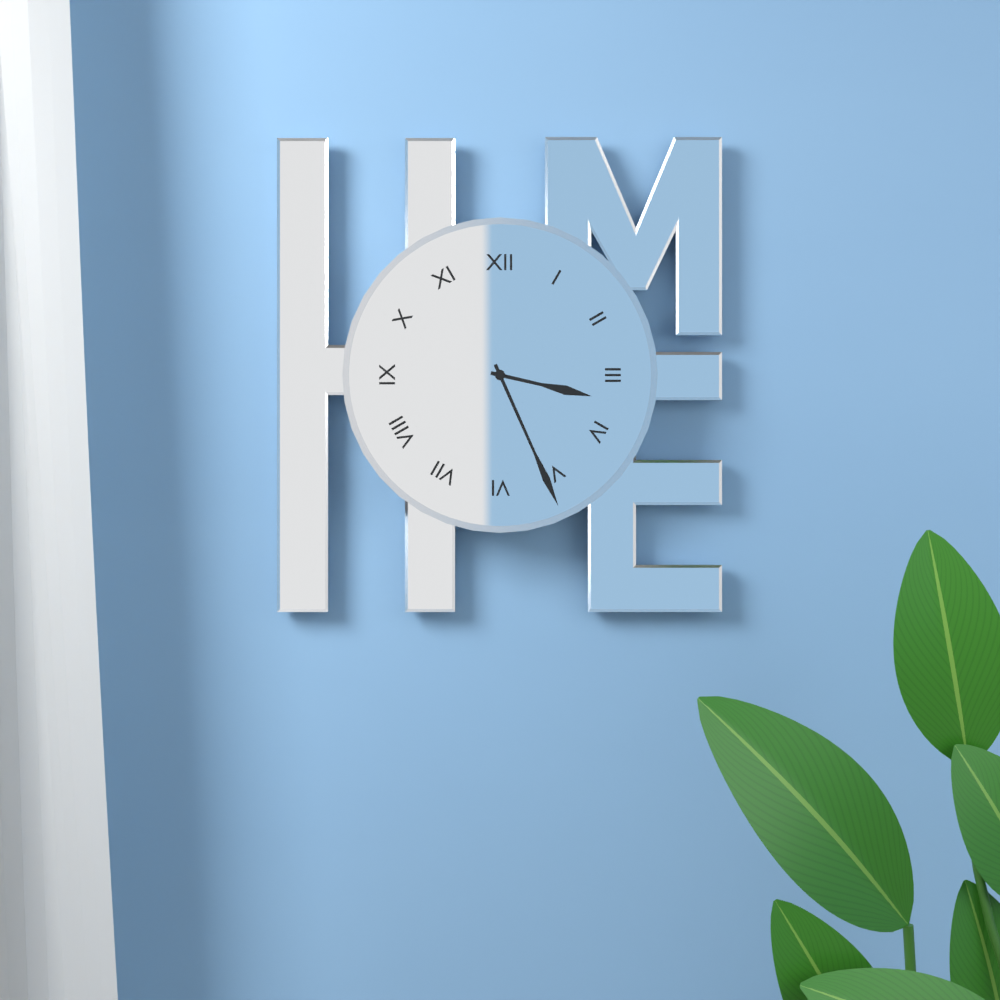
**3:26**
